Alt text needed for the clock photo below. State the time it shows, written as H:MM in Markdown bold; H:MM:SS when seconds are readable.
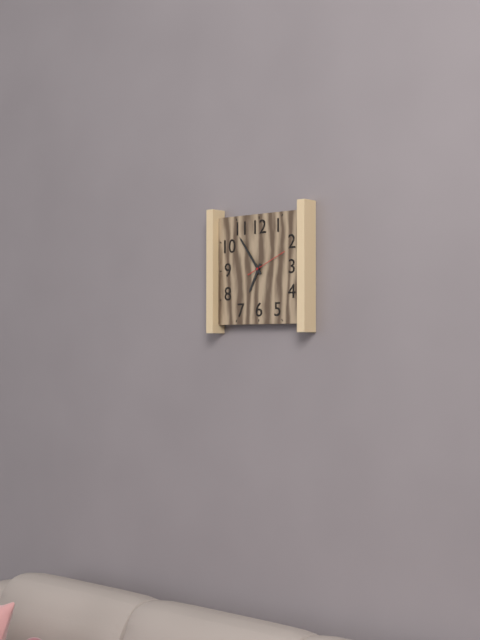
**6:54**
